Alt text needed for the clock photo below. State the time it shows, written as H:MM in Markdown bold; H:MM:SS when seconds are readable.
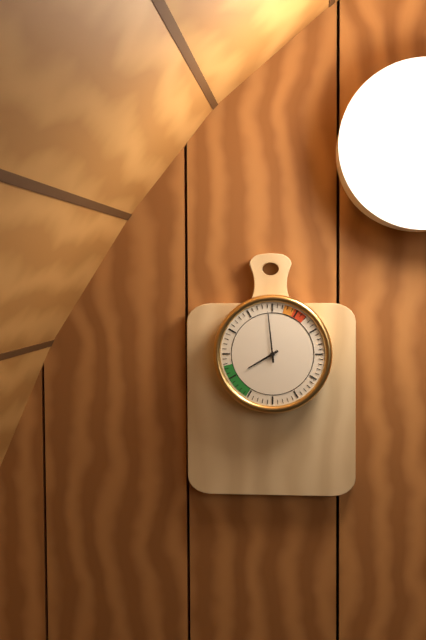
**7:59**
